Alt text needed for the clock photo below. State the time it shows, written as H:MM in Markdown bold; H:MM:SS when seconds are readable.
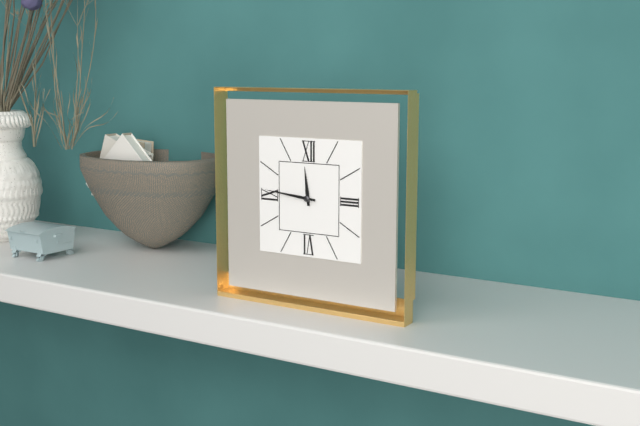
**11:46**
